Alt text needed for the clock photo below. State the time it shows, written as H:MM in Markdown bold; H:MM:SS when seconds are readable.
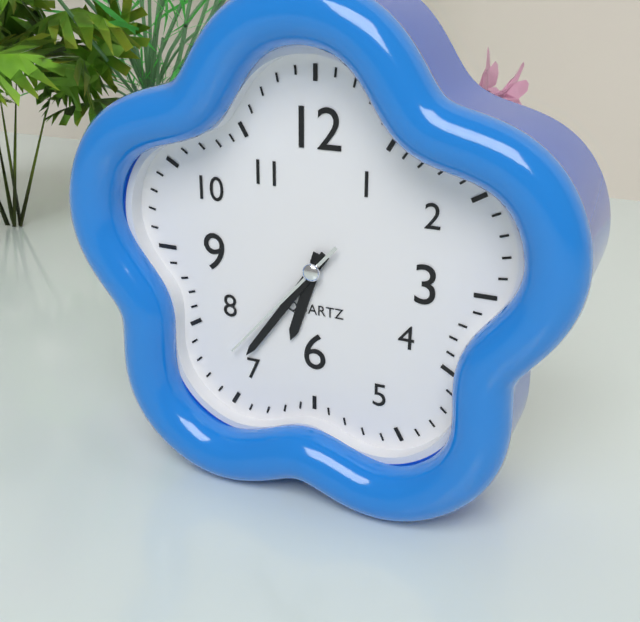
**6:36:37**
